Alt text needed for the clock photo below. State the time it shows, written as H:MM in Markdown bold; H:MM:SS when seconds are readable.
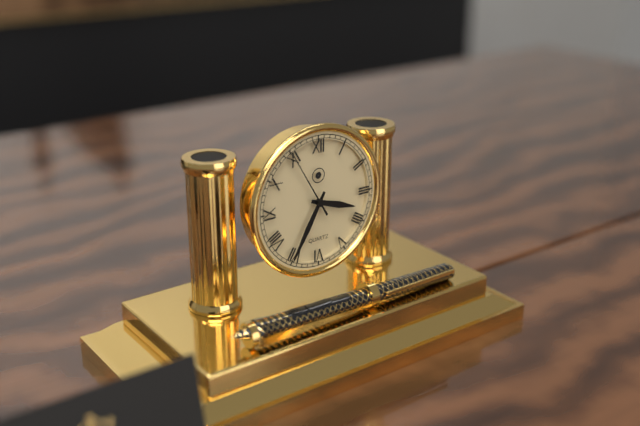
**3:35:55**
